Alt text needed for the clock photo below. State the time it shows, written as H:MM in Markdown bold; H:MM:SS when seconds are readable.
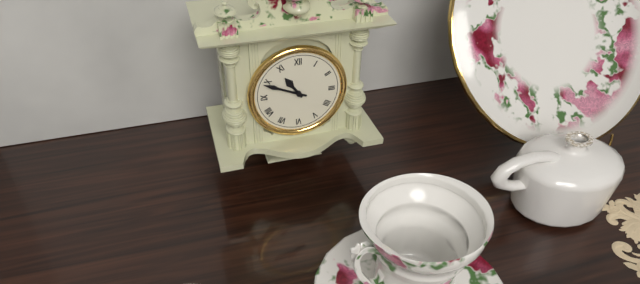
**10:49**
